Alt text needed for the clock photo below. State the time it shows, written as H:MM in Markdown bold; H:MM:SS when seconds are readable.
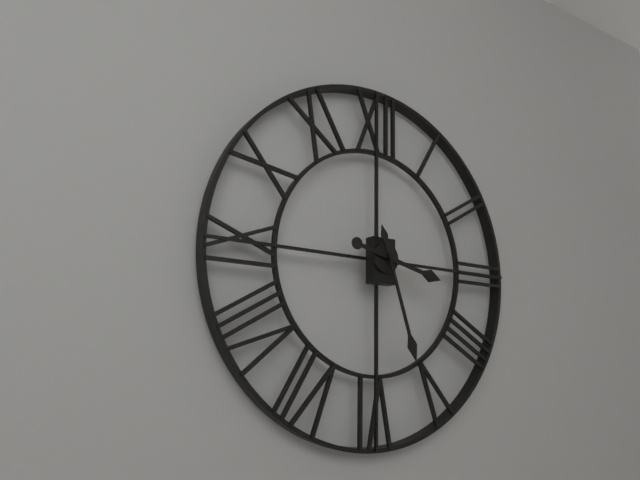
**3:27**
